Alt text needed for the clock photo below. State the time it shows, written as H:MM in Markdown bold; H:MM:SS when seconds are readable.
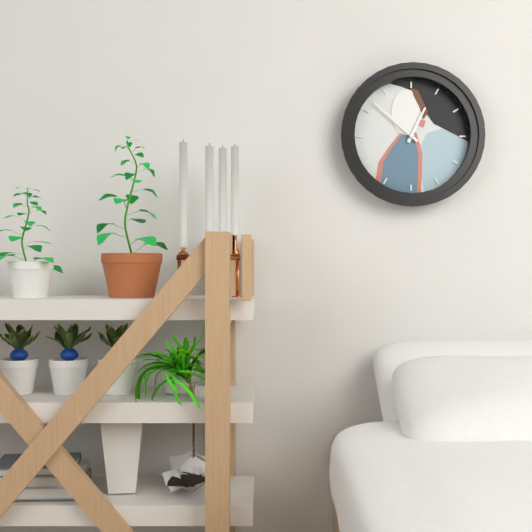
**12:52**
